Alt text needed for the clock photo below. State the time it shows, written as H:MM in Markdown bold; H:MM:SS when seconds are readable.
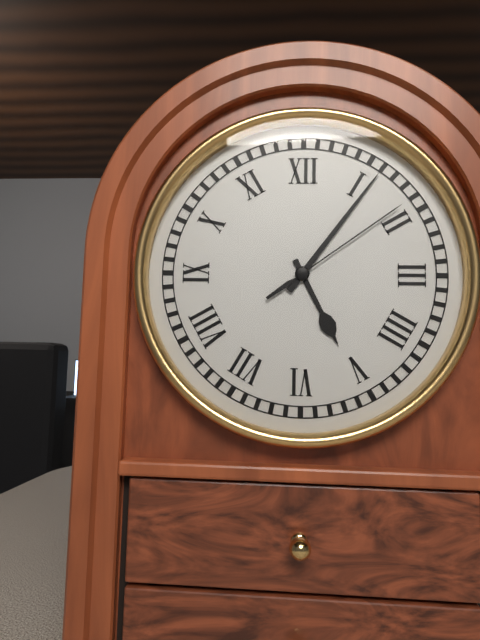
**5:06:09**
